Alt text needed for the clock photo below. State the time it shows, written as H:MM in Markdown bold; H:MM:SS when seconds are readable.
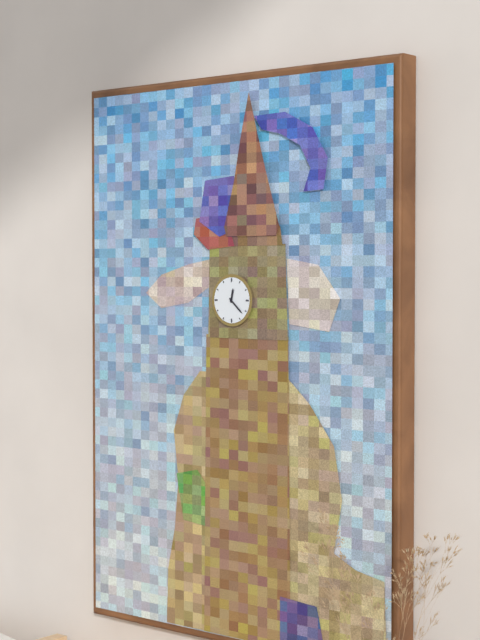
**12:22**
